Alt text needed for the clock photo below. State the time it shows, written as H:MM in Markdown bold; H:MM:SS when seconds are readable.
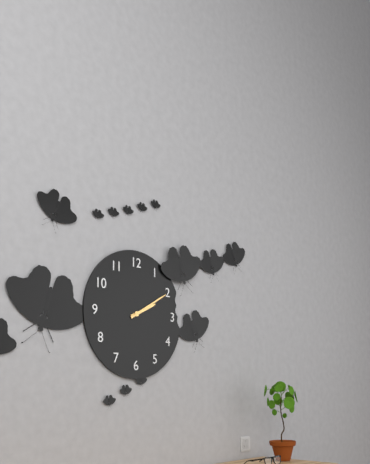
**2:10**
